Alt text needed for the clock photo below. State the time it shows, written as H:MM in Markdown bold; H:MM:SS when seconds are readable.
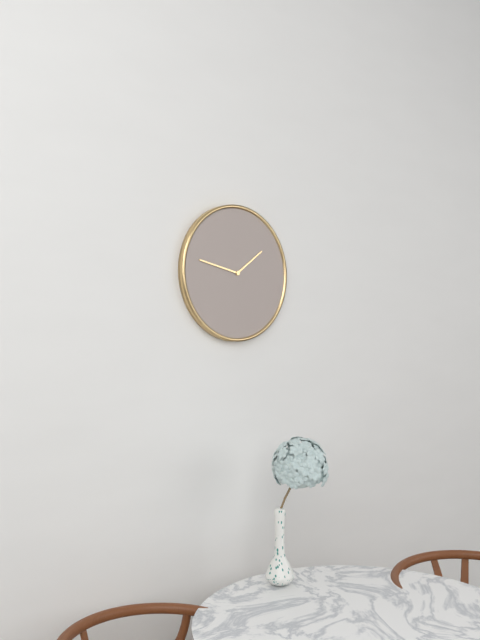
**1:47**
